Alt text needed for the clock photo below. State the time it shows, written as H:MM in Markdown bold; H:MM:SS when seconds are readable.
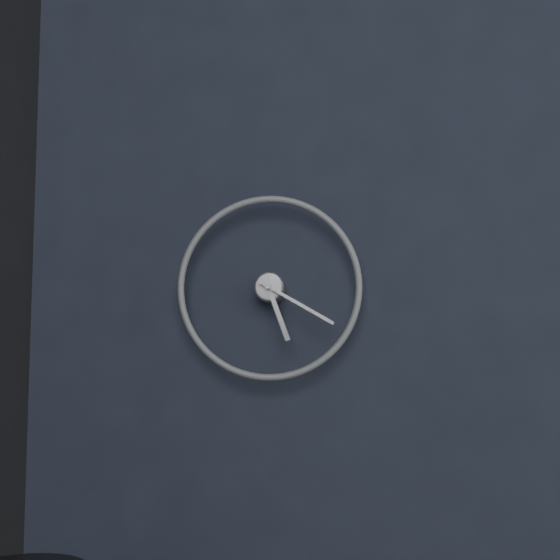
**5:20**
